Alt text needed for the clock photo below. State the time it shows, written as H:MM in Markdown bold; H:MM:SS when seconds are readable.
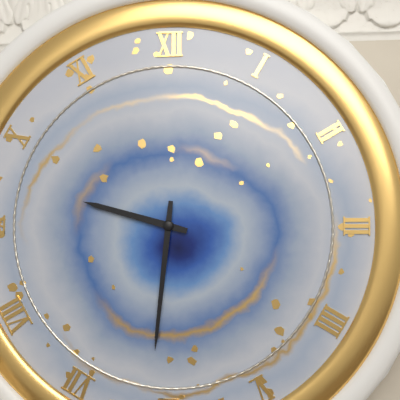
**9:31**
